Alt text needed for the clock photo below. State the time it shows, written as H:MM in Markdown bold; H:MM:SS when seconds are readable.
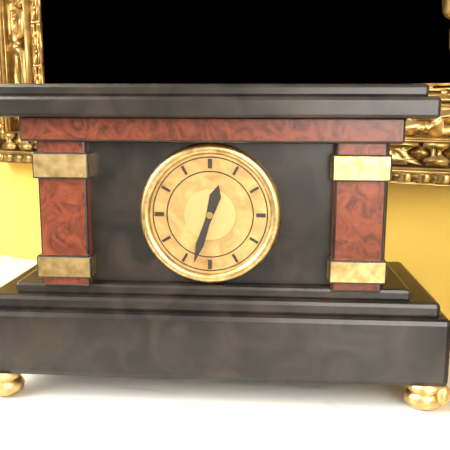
**12:33**
